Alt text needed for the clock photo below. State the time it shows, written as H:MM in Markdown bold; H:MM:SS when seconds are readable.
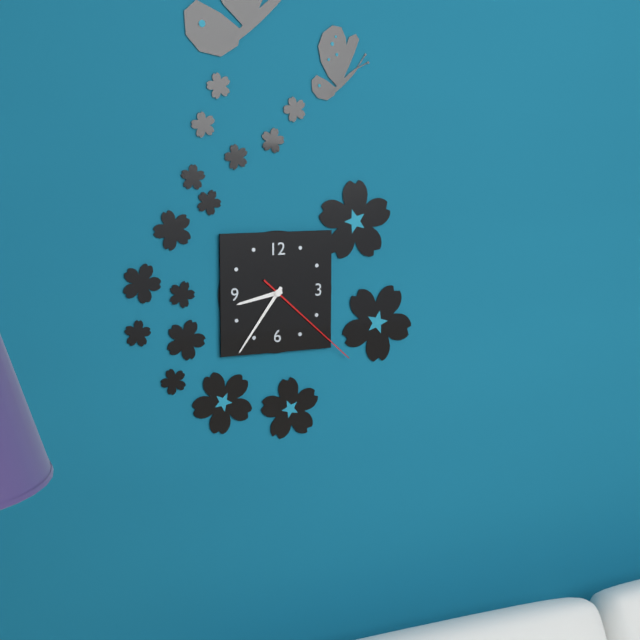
**8:36:22**
